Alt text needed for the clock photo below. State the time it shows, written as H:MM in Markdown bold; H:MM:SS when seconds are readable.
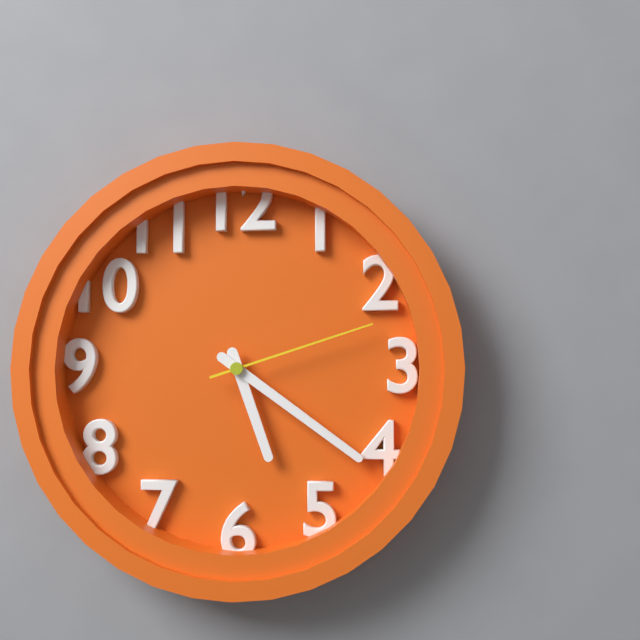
**5:21:12**
